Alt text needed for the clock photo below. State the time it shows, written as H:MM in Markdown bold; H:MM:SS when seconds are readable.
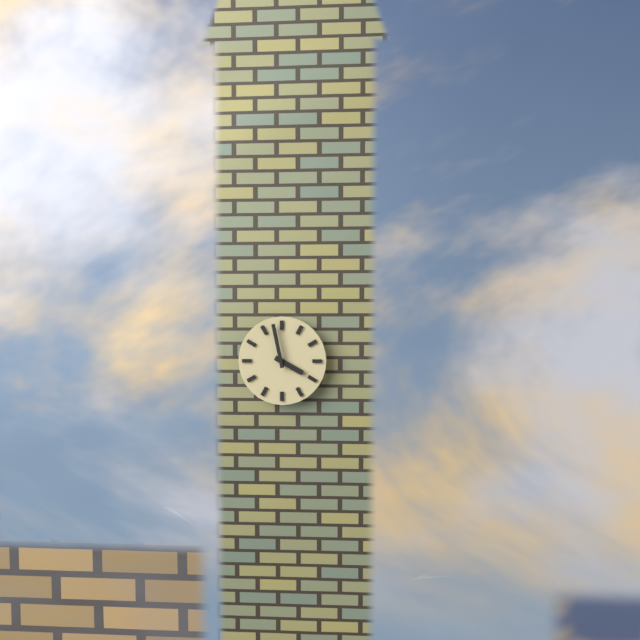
**3:58**
